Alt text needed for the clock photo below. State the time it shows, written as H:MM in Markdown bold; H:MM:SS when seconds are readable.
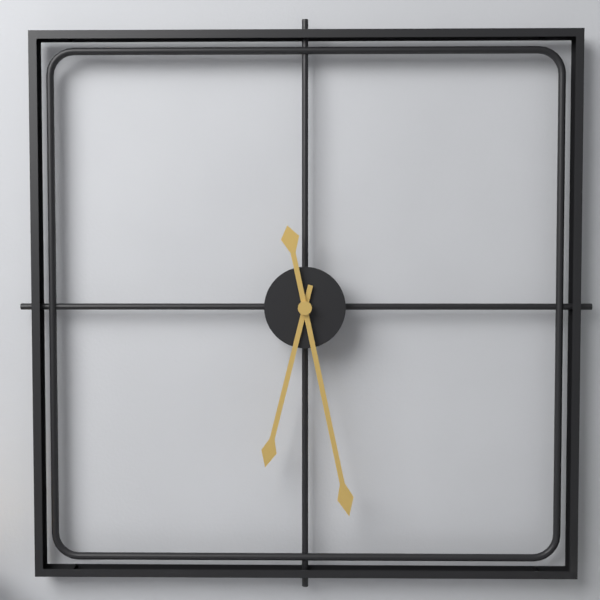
**6:28**
